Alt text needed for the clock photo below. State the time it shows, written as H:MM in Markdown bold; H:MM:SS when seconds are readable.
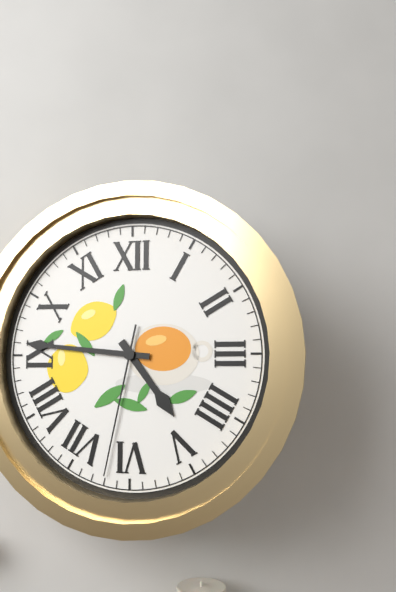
**4:46:32**
